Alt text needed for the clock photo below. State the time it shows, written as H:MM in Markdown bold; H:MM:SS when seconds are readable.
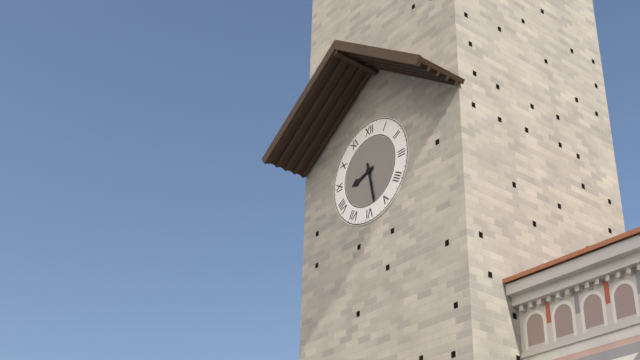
**8:28**
